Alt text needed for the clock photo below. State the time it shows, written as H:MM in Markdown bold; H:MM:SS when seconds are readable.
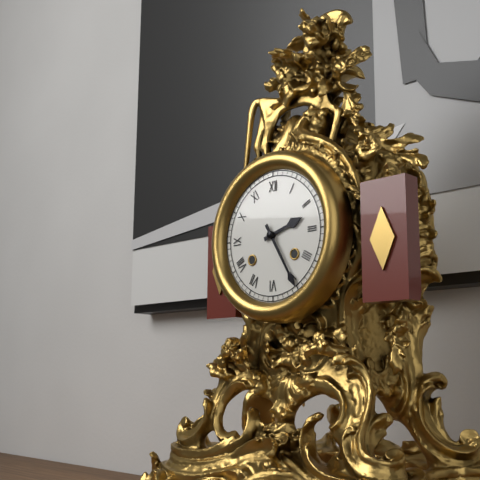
**2:25**
